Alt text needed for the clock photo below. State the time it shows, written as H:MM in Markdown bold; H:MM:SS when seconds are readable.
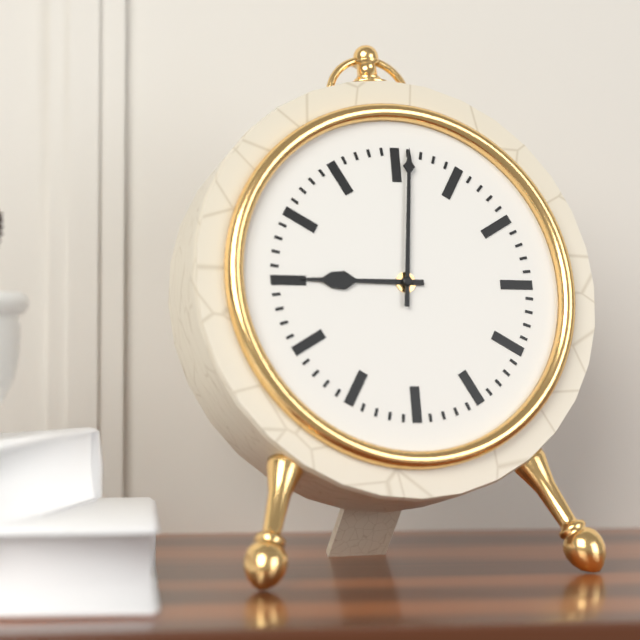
**9:01**
